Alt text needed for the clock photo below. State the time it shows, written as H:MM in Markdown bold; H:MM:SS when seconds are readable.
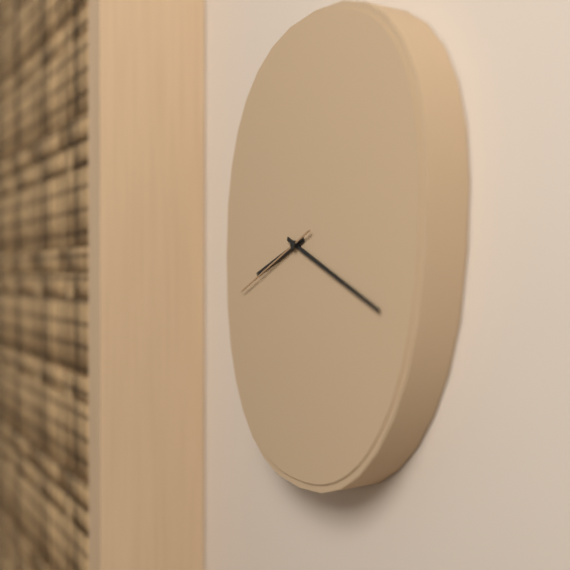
**8:19:41**
